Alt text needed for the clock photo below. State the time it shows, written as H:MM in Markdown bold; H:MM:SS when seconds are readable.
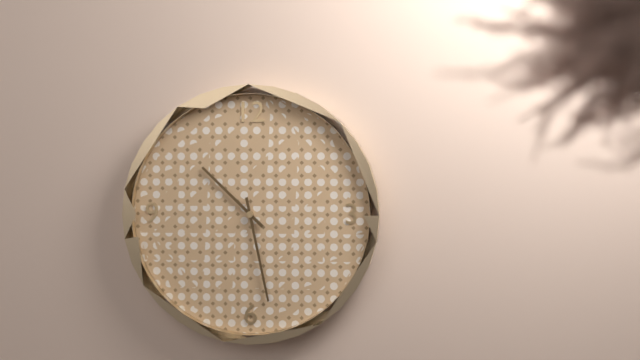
**10:28**
